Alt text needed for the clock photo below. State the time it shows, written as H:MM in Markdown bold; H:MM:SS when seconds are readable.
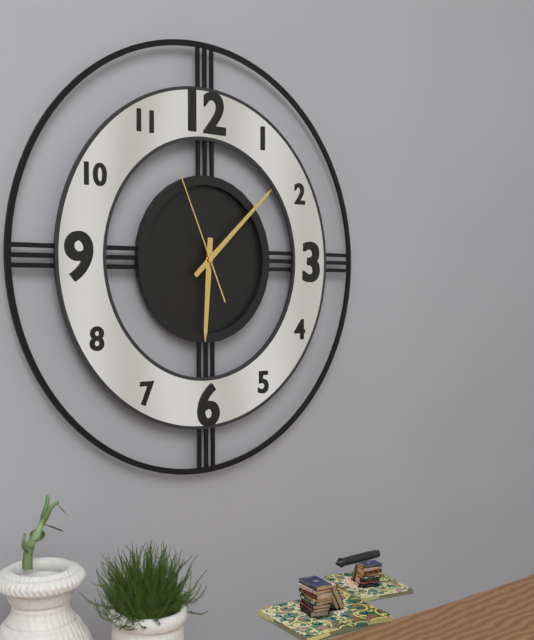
**6:08:56**
